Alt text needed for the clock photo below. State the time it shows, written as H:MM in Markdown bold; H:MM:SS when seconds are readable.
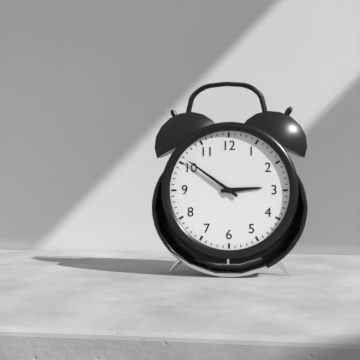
**2:51**
